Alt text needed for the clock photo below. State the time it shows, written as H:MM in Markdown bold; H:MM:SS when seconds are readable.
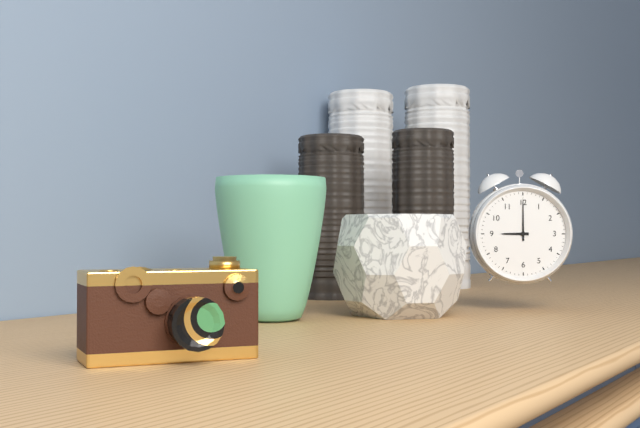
**9:00**
